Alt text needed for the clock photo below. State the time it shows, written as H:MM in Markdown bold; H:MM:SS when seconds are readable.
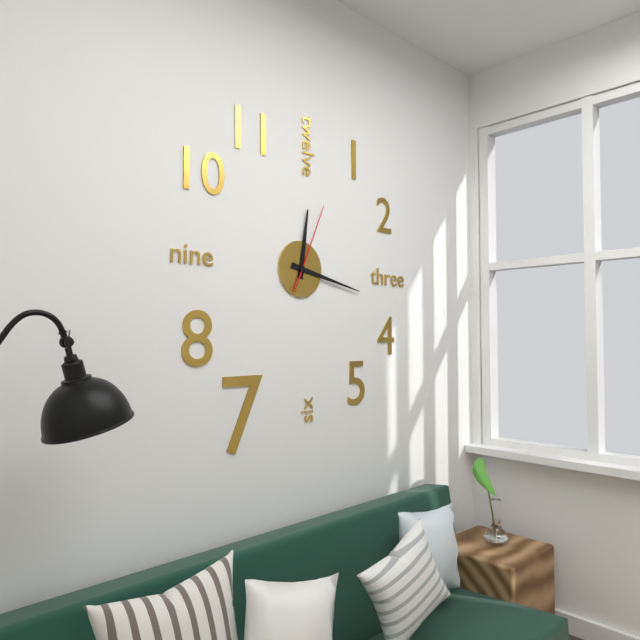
**12:17:04**
